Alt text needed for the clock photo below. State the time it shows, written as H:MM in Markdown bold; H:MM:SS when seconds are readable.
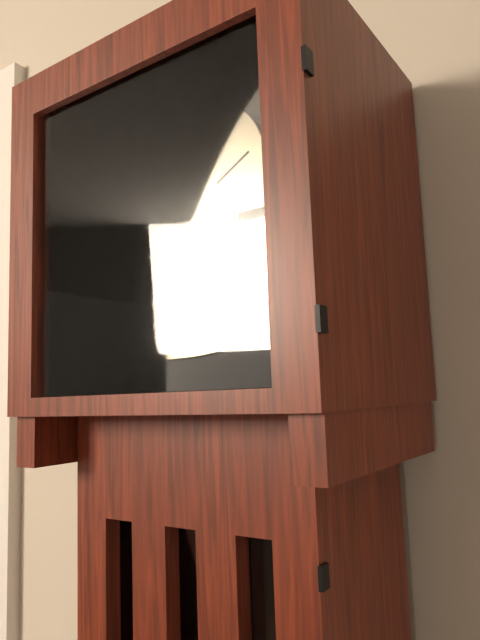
**10:44**
